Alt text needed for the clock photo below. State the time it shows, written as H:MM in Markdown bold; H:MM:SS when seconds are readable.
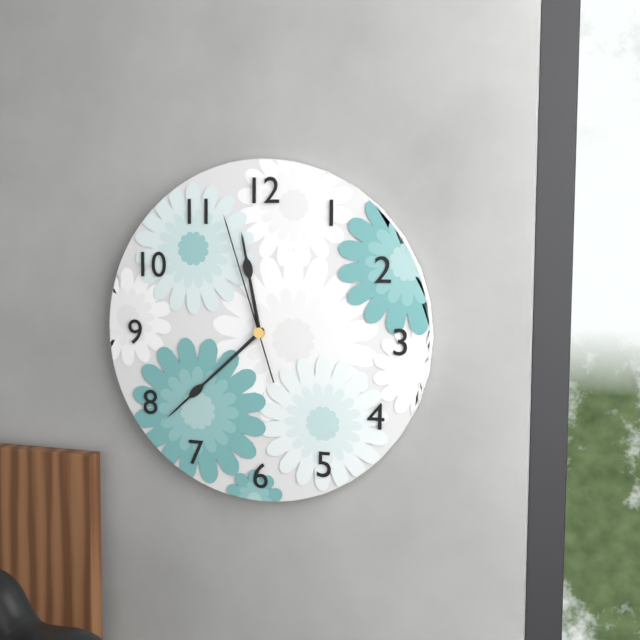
**11:38:57**
